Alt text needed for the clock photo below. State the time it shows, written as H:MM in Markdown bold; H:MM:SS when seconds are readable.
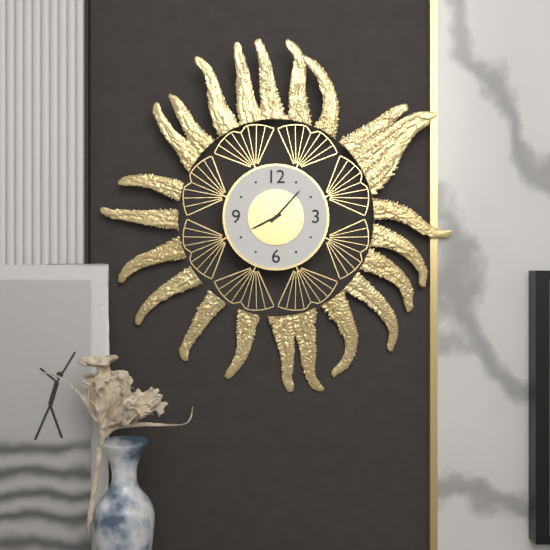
**8:07**
